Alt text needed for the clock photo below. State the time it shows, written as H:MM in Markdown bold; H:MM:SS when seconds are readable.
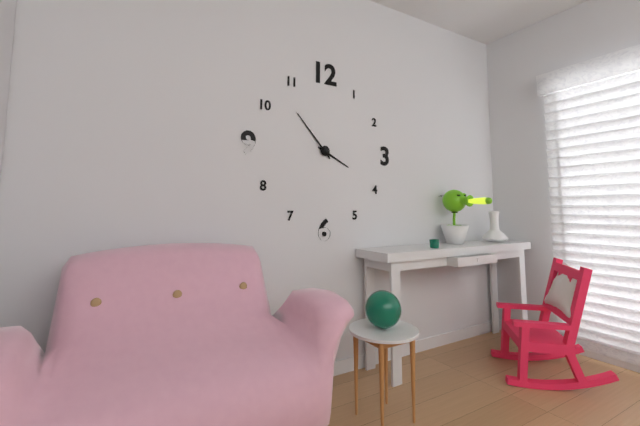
**3:53**
